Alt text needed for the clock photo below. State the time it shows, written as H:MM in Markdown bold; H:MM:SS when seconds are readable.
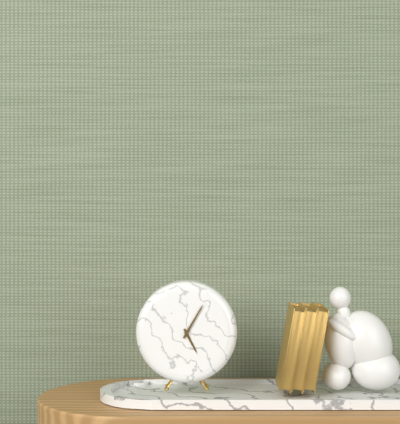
**5:05**
